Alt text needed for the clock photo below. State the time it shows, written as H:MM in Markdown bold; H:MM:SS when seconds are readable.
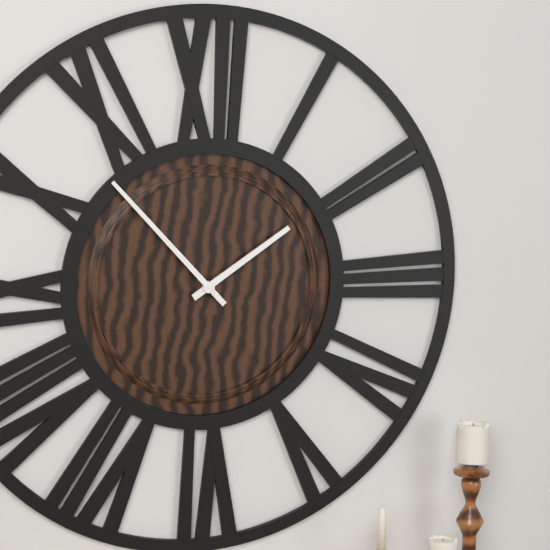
**1:53**
